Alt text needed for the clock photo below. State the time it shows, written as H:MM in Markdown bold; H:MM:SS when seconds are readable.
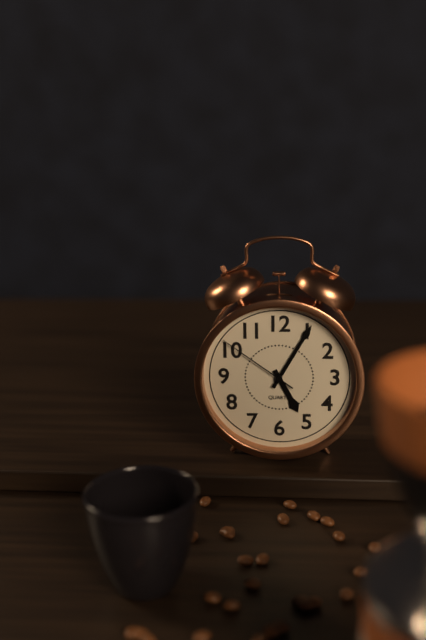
**5:05:51**
